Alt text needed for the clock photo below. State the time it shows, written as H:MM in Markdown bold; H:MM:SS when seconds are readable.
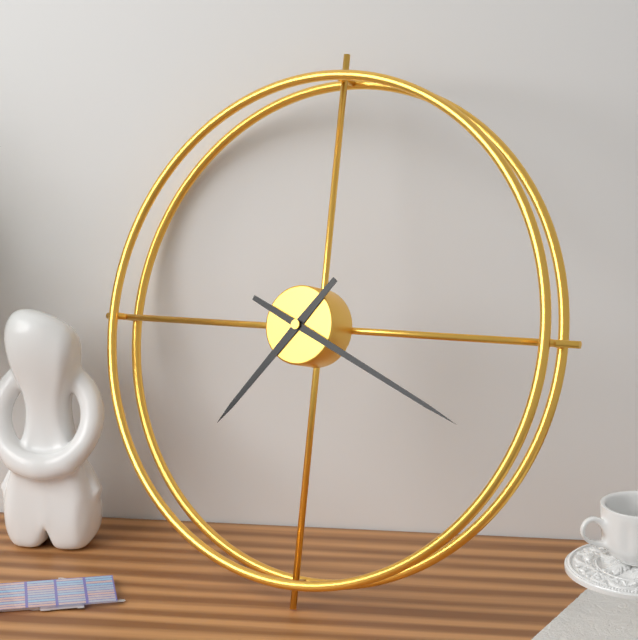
**7:19**
